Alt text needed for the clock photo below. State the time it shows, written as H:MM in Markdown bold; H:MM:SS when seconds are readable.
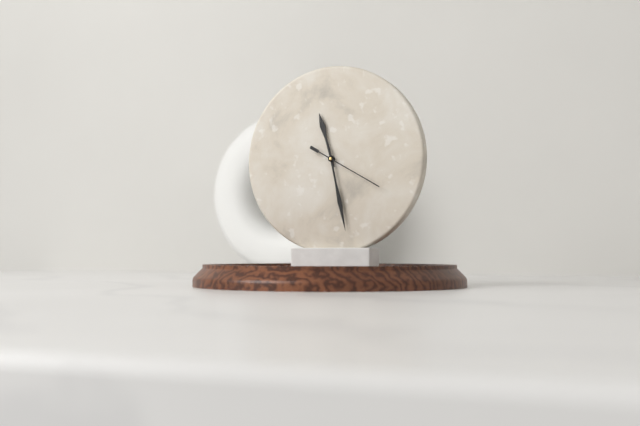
**11:28:20**
